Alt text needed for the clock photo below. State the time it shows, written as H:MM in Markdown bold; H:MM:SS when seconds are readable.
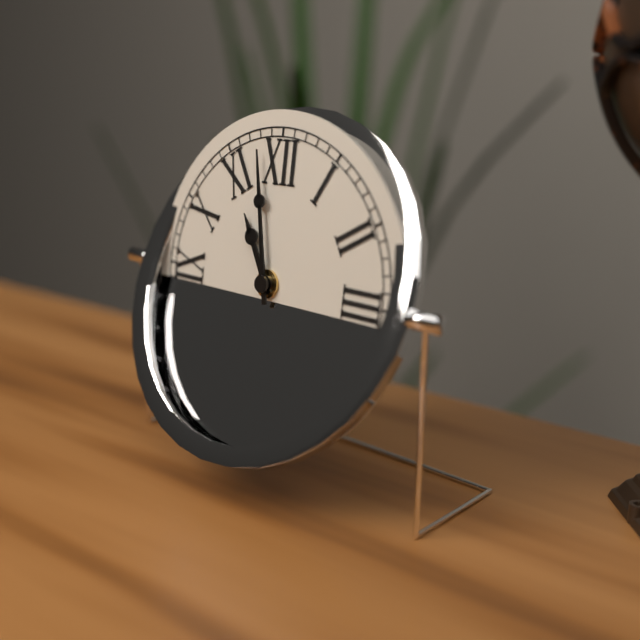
**10:58**
